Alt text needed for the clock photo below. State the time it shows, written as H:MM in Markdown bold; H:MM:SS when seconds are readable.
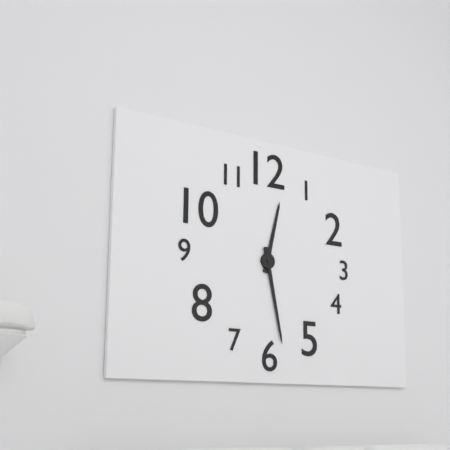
**12:28**
